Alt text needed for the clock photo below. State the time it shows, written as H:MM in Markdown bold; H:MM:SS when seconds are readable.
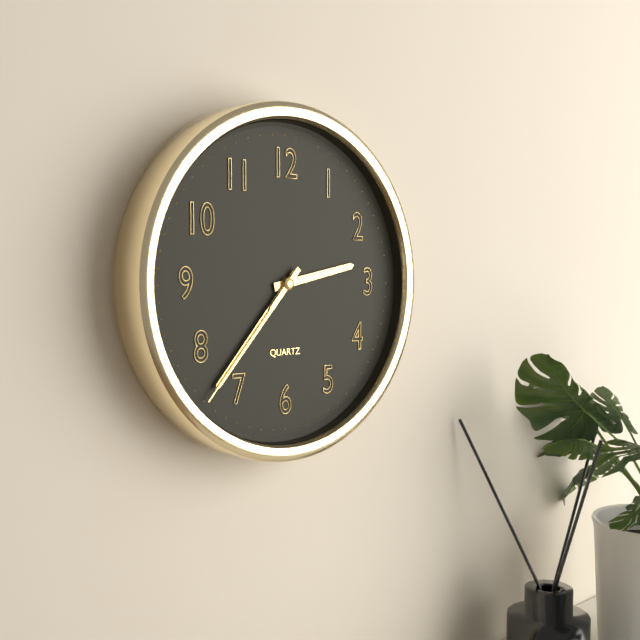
**2:37:37**
